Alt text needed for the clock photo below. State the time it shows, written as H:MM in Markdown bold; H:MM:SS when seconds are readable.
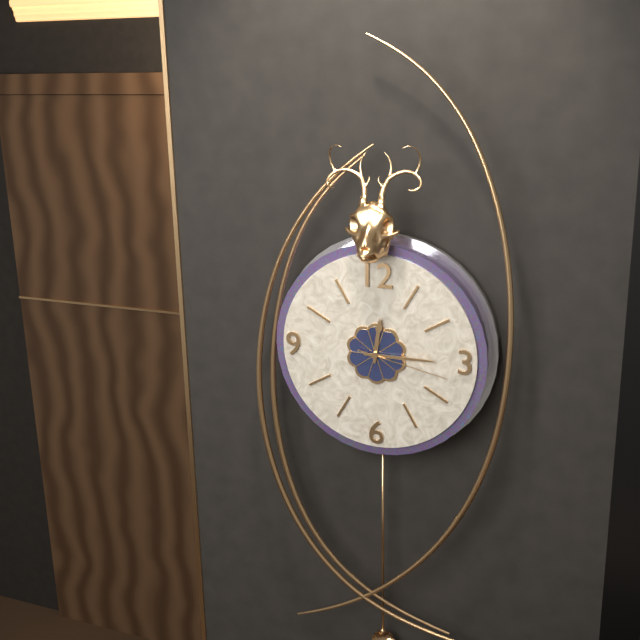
**12:15:17**
